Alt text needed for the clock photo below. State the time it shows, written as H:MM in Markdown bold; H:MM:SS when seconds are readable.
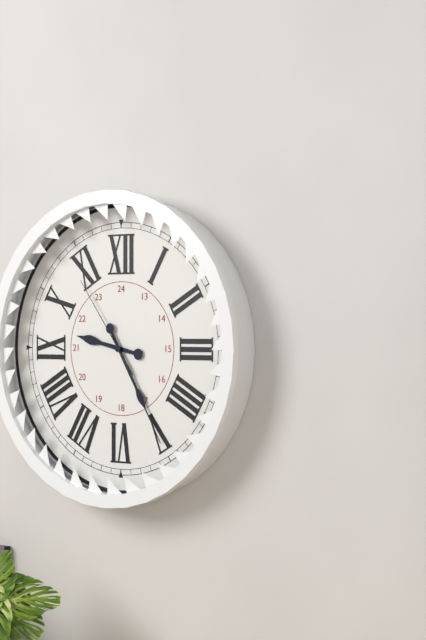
**9:25:54**
